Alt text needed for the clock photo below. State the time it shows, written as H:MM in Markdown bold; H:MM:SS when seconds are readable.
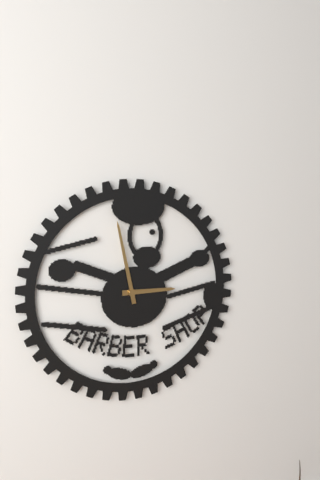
**2:58**
